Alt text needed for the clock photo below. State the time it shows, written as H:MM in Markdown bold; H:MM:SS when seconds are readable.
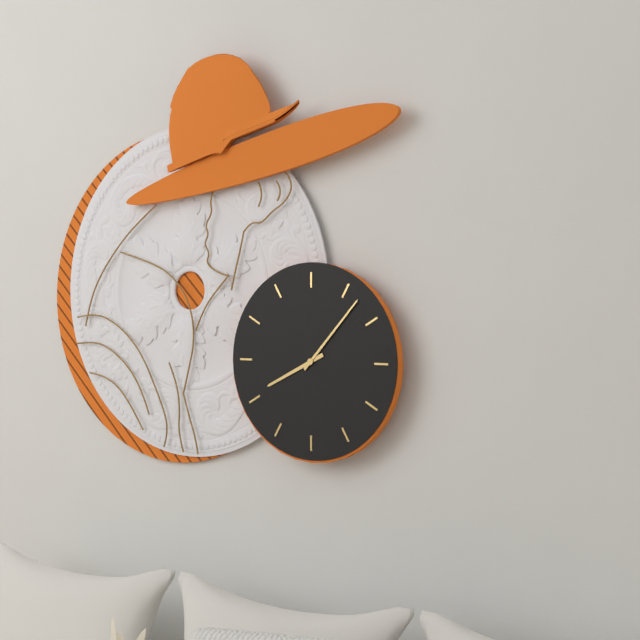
**8:07**
